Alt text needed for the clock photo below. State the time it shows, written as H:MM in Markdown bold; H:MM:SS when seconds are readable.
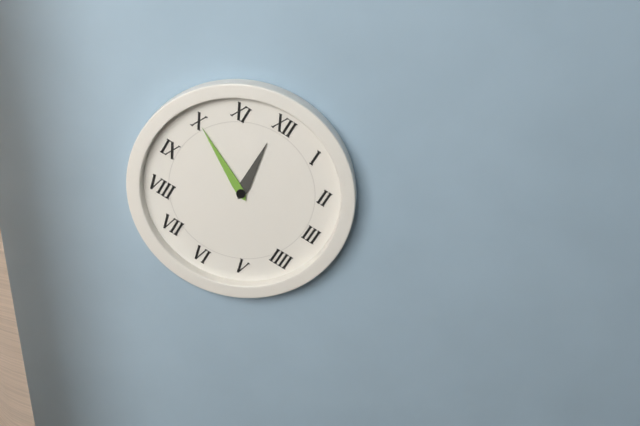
**11:50**
